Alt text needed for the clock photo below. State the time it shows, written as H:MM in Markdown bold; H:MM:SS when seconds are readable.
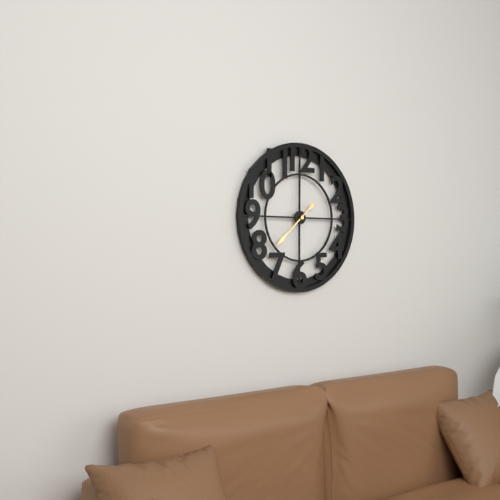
**1:38**
